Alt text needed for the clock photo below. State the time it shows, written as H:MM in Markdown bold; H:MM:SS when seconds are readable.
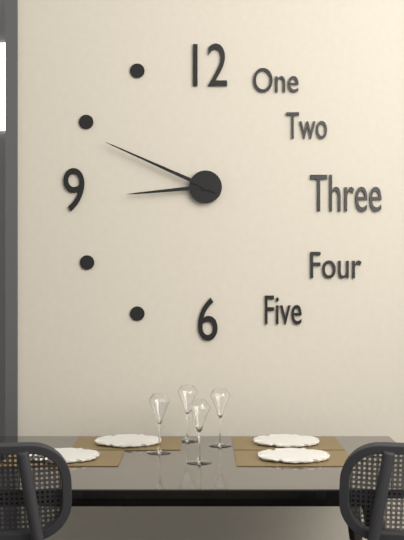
**8:49**
